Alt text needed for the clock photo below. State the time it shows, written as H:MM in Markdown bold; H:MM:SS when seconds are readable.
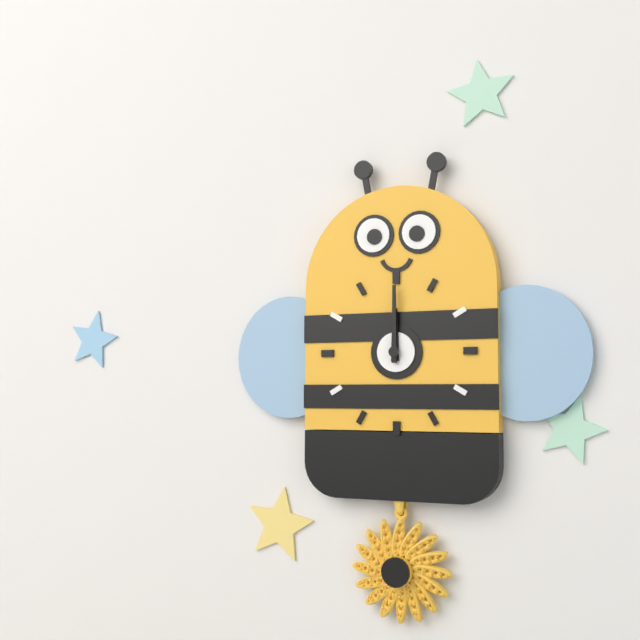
**12:00**
